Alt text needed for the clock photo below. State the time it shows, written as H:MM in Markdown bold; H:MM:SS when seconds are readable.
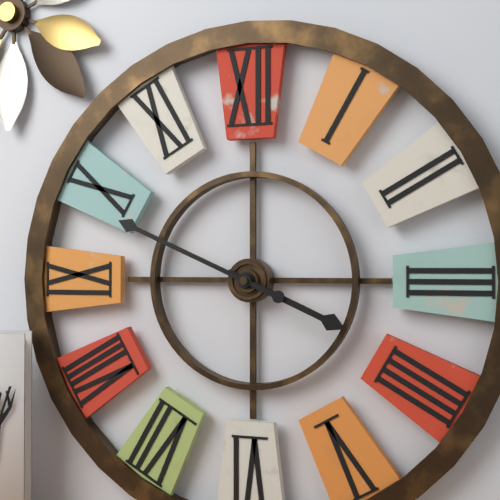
**3:49**
